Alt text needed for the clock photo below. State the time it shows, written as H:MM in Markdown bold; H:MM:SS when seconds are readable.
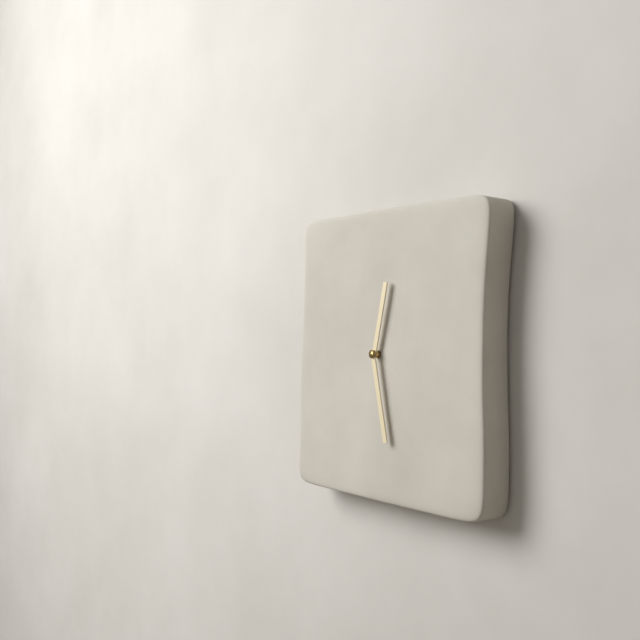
**12:28**
